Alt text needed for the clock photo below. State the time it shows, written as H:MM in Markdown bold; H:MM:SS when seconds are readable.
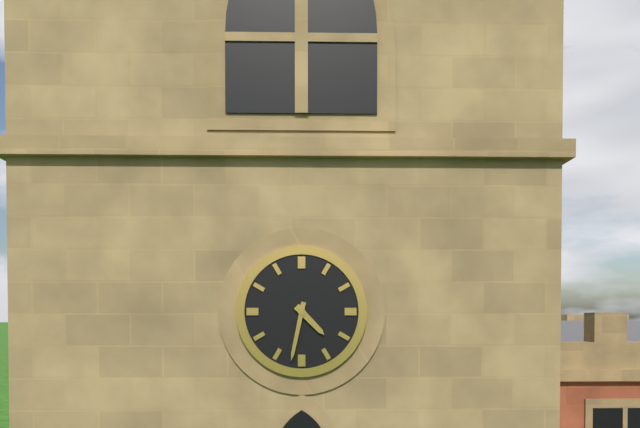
**4:32**
